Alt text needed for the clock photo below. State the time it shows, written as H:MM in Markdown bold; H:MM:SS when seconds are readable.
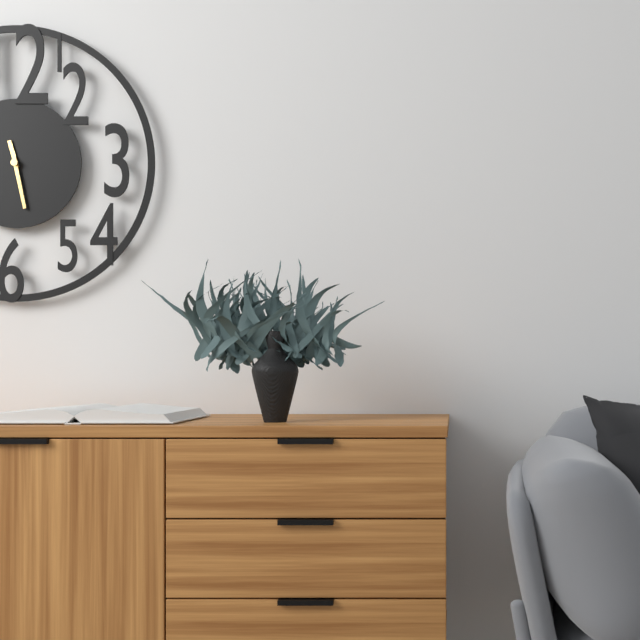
**11:28**
